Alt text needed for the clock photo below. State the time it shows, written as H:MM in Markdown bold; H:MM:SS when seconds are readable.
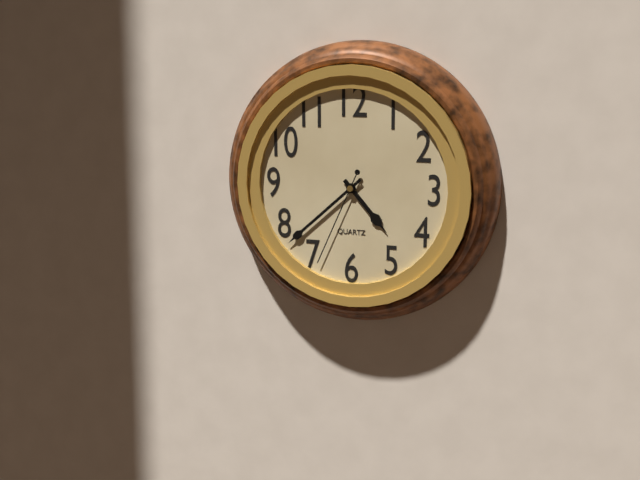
**4:38:34**
